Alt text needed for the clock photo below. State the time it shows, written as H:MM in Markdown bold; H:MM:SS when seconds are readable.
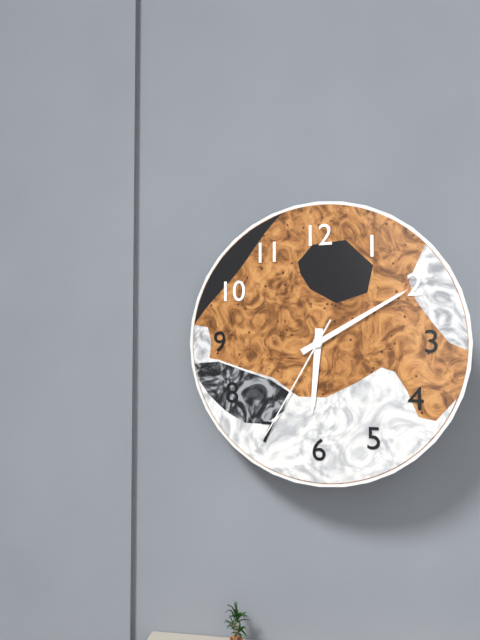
**6:10:35**
